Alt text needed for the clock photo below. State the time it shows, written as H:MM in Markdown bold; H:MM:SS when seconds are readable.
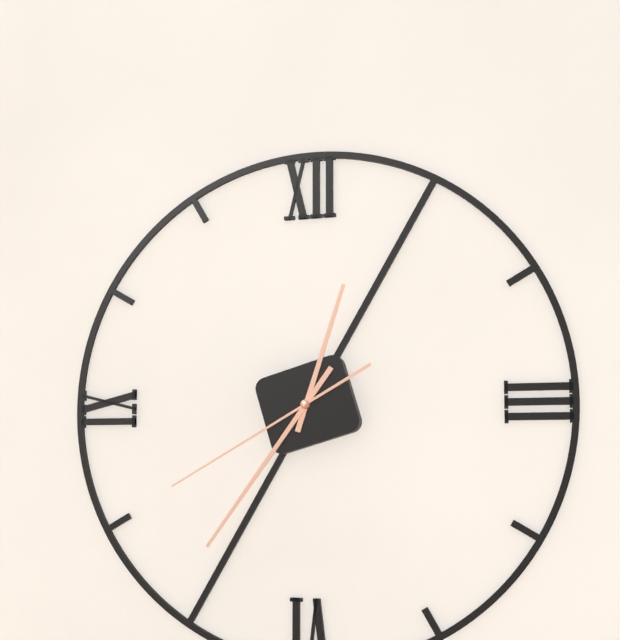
**12:36:40**
